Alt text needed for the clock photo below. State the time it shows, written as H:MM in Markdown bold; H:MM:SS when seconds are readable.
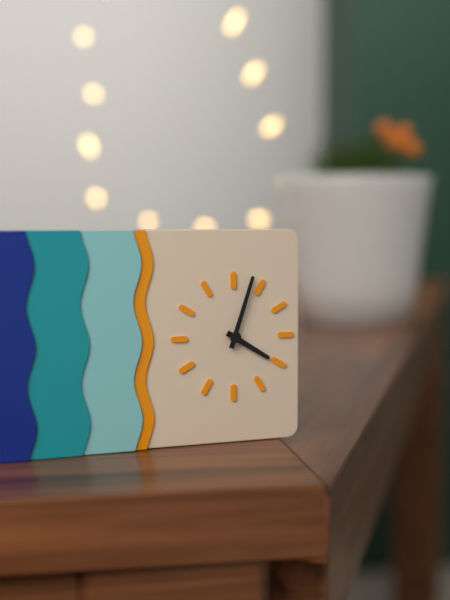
**4:03**
